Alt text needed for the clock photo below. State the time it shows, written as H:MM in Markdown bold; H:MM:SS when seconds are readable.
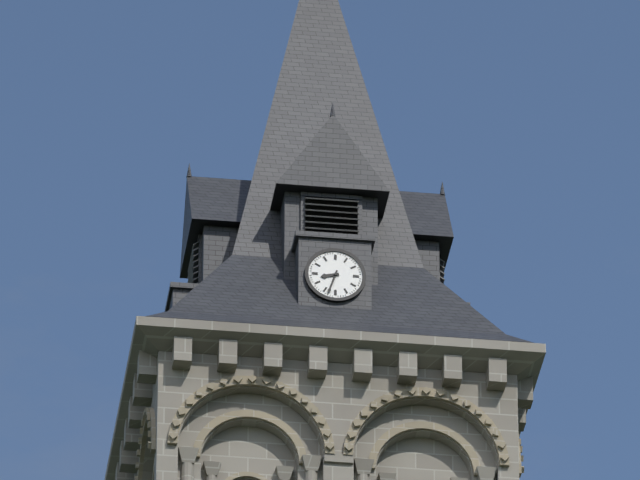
**8:33**
